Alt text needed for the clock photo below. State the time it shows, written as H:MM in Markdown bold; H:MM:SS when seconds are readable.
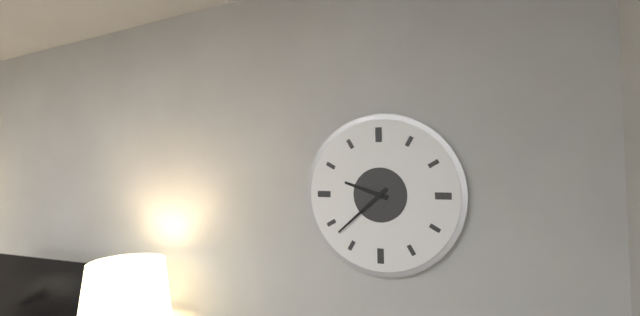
**9:38**
